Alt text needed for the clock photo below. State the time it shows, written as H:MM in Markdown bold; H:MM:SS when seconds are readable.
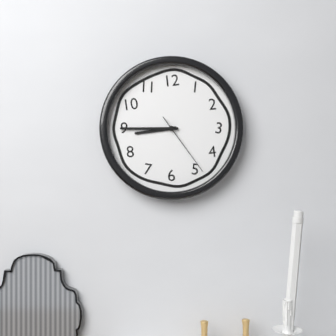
**8:45:24**
